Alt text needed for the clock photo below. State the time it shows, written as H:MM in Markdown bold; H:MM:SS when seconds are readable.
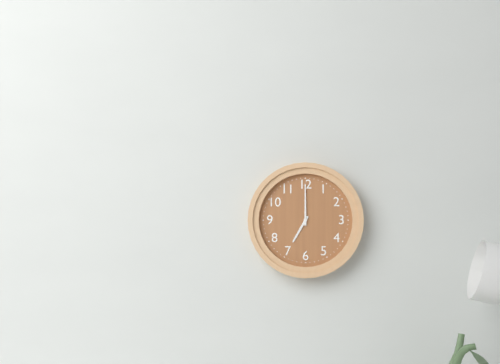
**7:00**
